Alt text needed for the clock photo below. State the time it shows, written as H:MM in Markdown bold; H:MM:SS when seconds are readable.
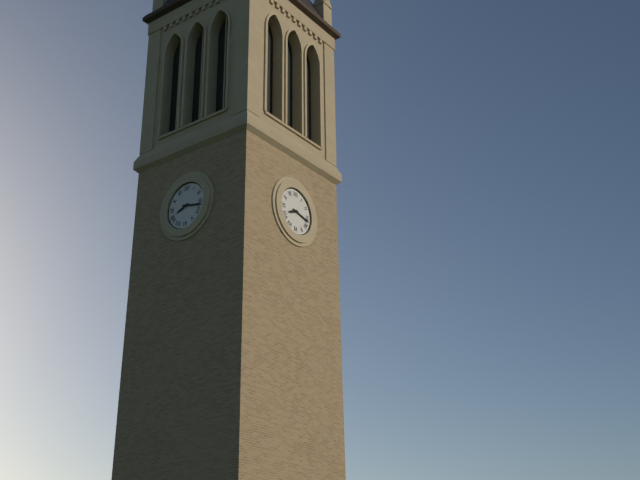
**8:17**
